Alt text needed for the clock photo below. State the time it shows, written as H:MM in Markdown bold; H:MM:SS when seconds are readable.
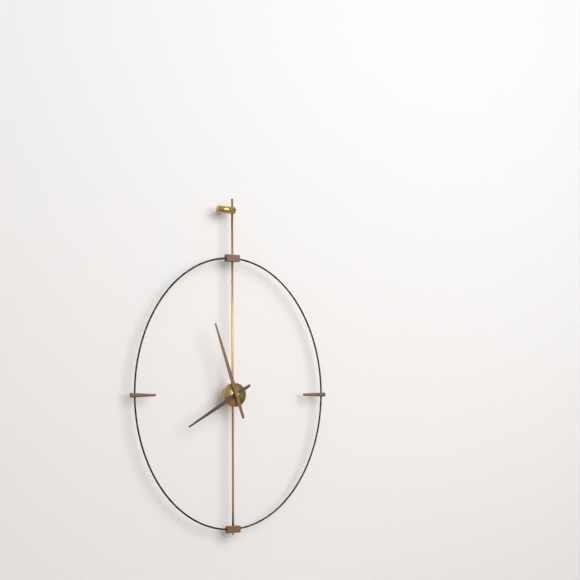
**7:57**
